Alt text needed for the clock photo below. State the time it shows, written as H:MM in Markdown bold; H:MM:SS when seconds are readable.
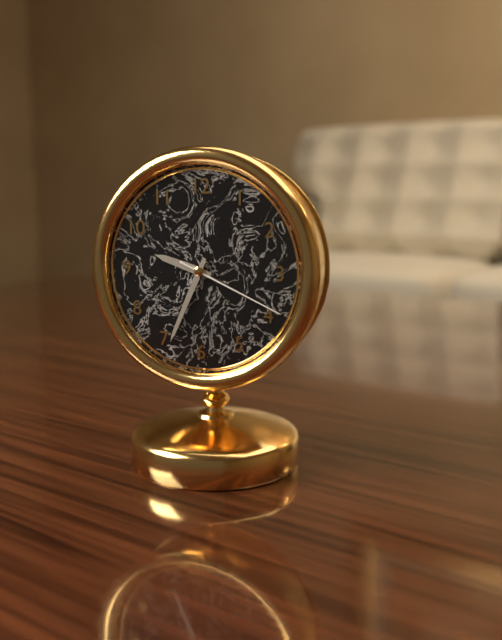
**9:34:19**
